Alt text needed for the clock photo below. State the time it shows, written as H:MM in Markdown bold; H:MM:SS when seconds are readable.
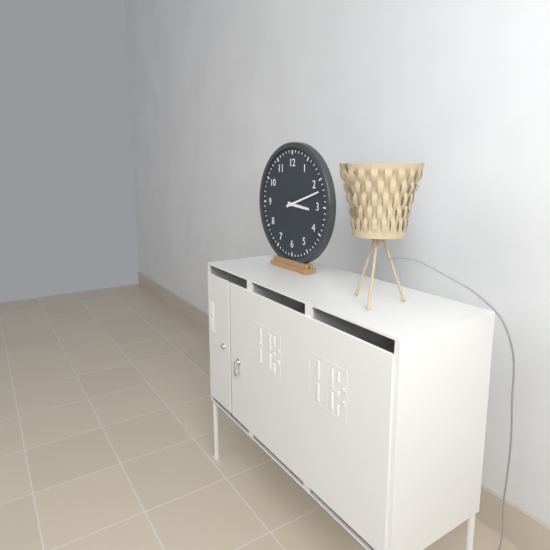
**3:12**
